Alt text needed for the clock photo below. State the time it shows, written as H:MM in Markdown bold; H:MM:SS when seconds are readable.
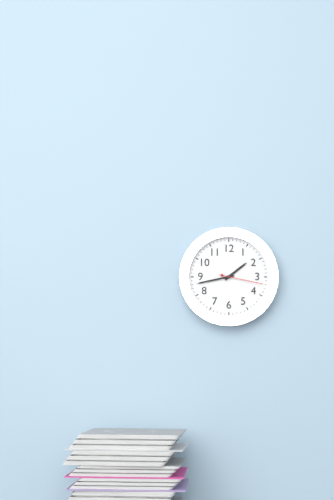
**1:43**
